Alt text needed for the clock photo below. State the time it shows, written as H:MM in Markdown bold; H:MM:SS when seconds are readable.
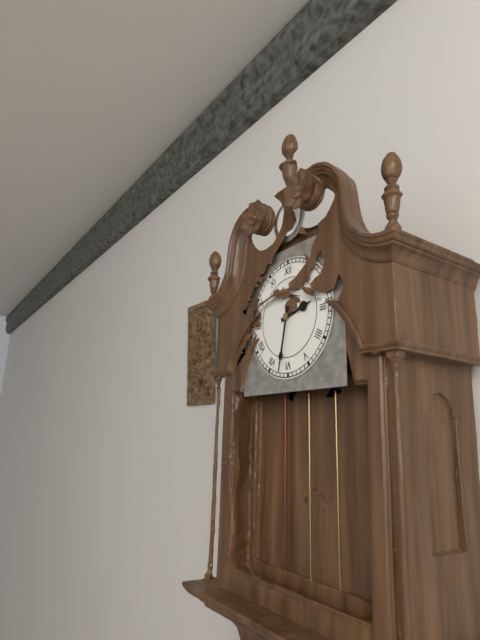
**2:32**
